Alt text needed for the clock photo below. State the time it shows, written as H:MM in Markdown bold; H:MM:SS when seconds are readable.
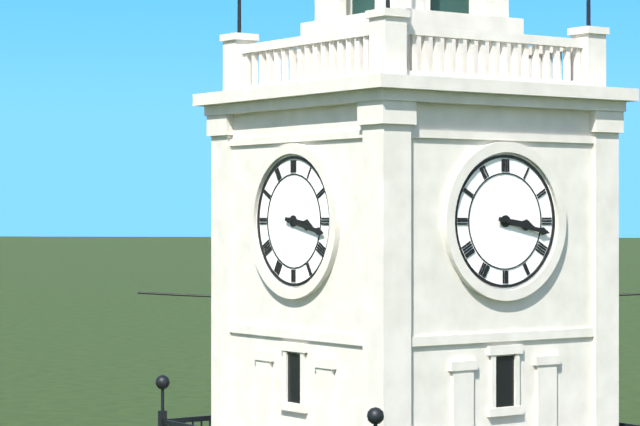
**3:17**
